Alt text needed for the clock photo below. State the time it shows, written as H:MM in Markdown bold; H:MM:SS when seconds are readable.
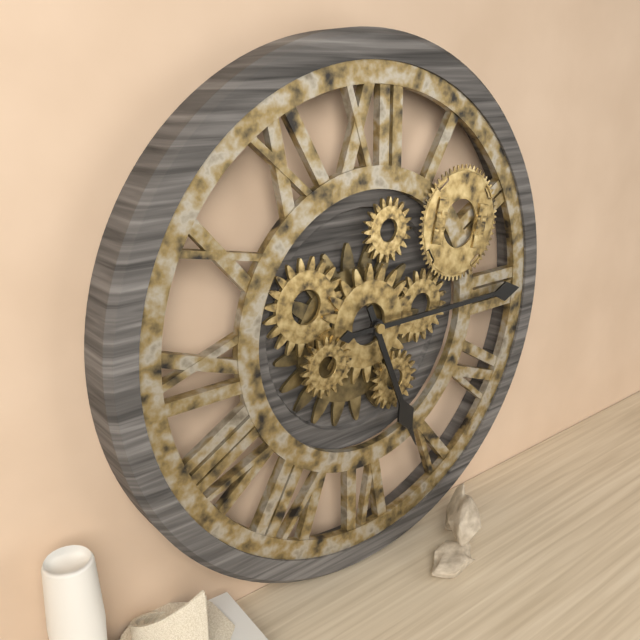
**5:15**
